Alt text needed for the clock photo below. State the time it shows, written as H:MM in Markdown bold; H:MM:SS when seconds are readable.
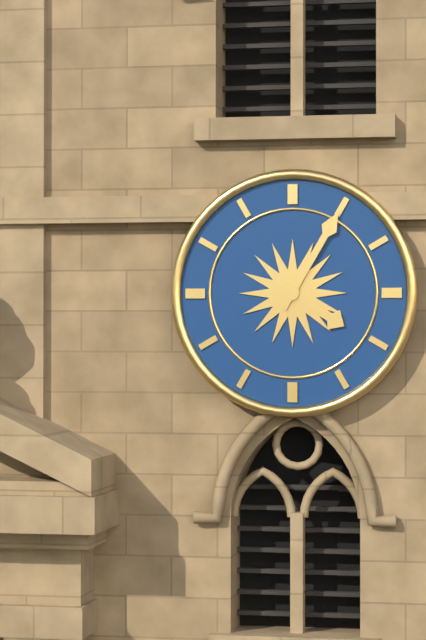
**4:05**
